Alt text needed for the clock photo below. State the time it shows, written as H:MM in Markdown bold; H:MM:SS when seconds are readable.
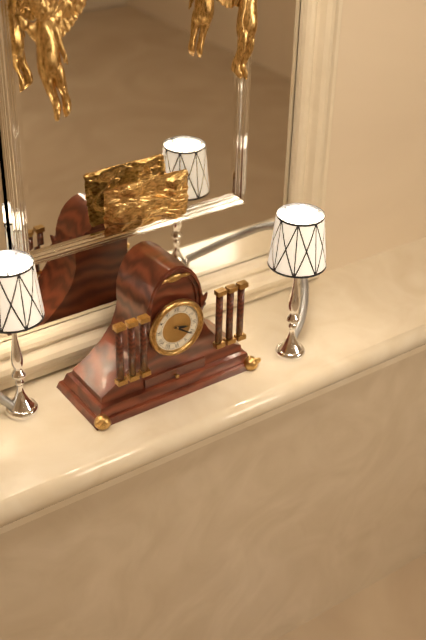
**3:21**
